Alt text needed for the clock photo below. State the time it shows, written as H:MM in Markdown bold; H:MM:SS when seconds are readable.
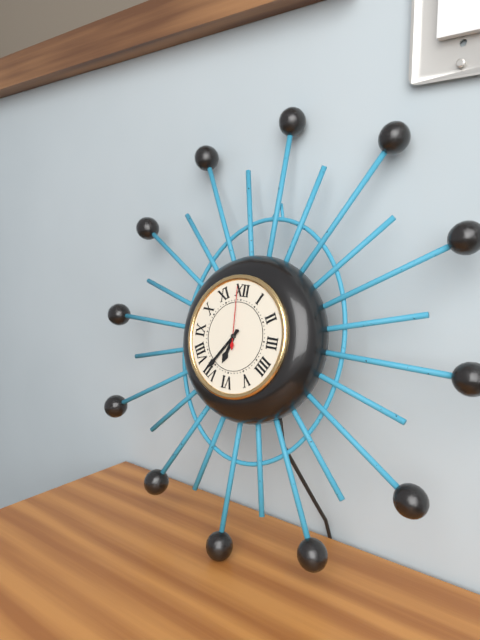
**6:36:59**
